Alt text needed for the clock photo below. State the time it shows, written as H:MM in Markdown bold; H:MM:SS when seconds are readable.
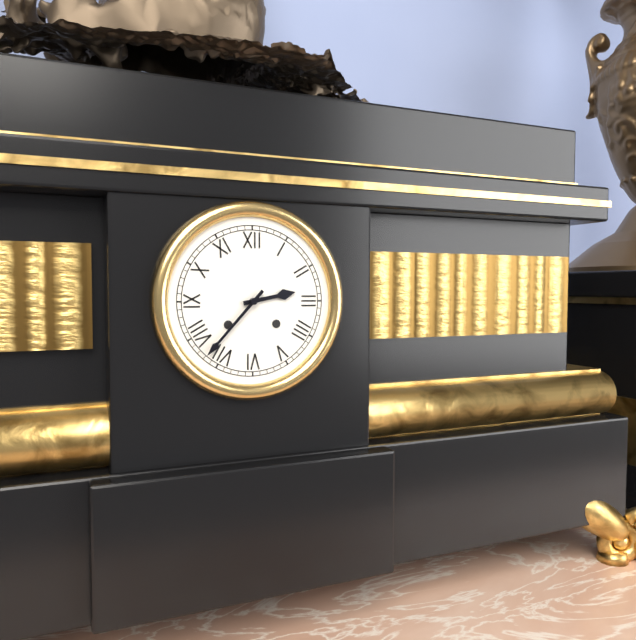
**2:37**
